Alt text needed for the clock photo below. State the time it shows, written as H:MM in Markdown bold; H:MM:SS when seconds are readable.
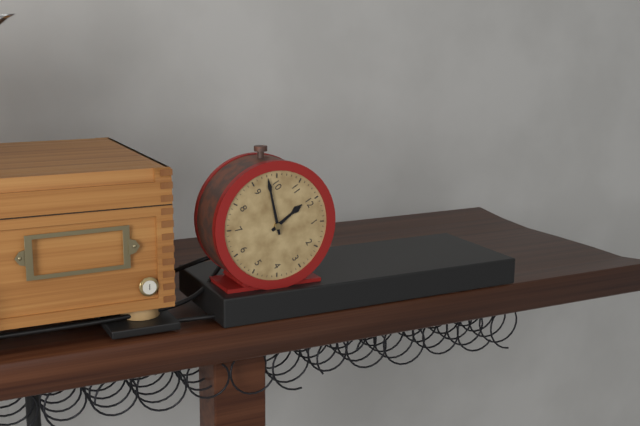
**11:48**
